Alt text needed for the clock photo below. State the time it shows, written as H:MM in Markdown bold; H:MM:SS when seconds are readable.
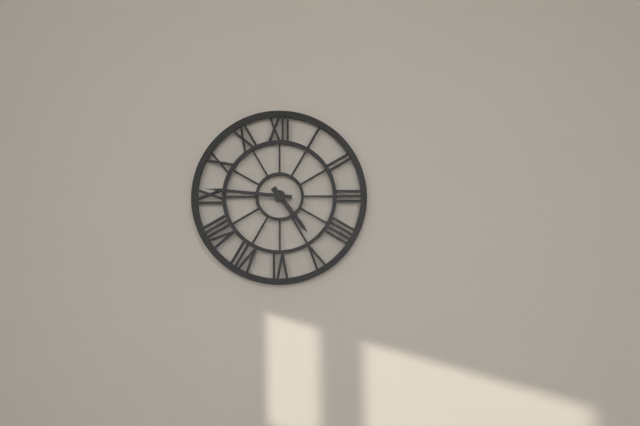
**4:46**
